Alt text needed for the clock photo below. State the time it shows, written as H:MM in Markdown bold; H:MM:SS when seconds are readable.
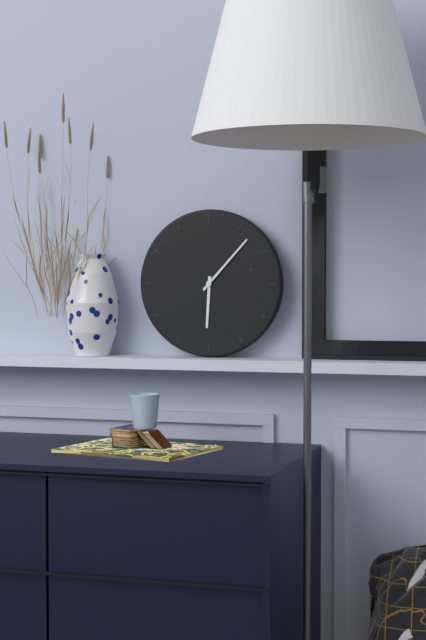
**6:07**
